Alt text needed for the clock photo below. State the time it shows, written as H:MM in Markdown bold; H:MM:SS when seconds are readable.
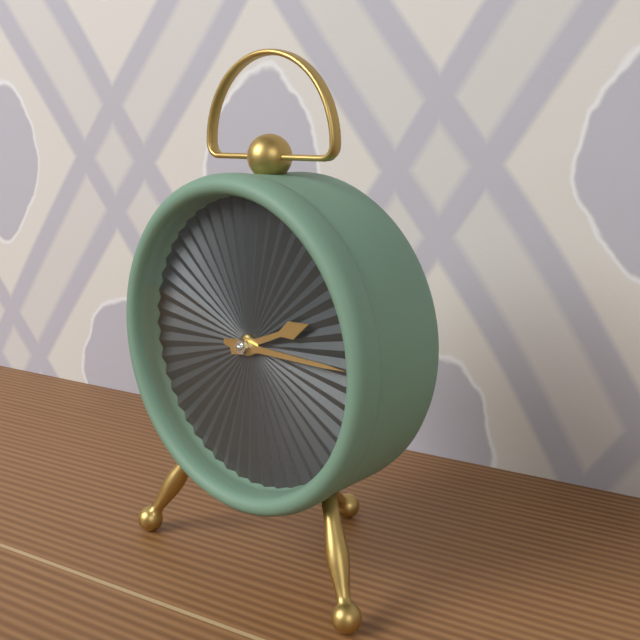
**2:15**
